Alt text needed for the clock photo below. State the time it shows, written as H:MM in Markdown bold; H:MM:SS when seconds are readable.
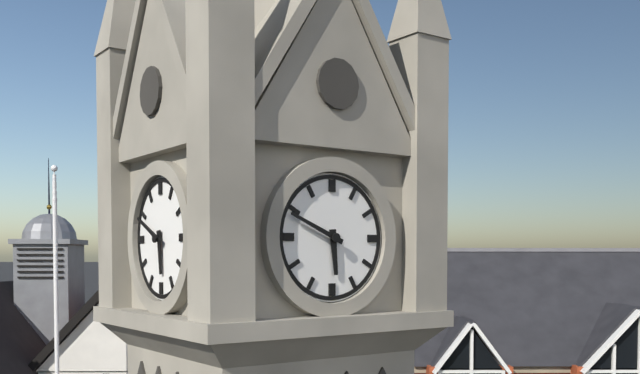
**5:49**
